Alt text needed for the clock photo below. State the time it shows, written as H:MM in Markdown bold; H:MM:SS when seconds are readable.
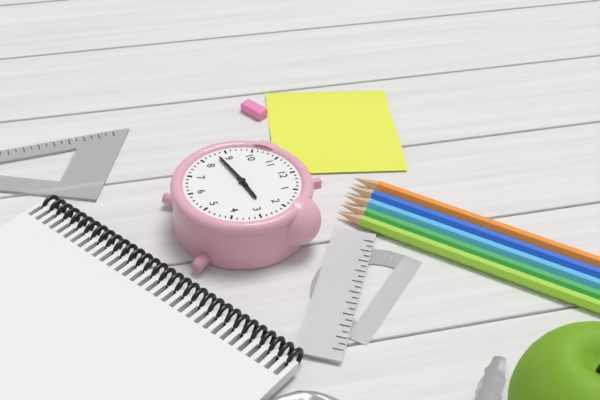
**2:43**
